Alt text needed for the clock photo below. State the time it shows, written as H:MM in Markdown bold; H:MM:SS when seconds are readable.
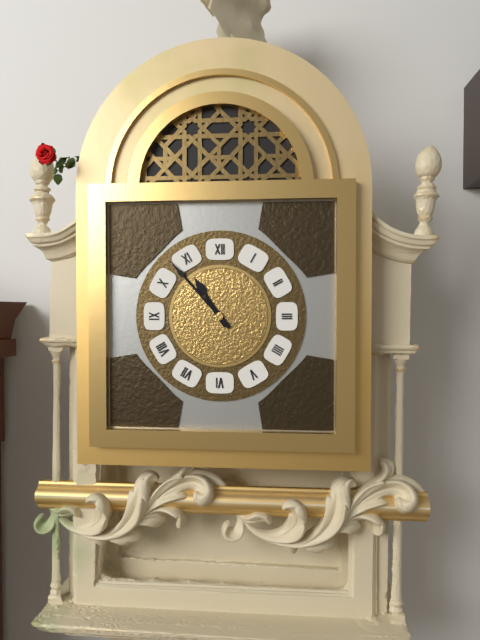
**10:53**
